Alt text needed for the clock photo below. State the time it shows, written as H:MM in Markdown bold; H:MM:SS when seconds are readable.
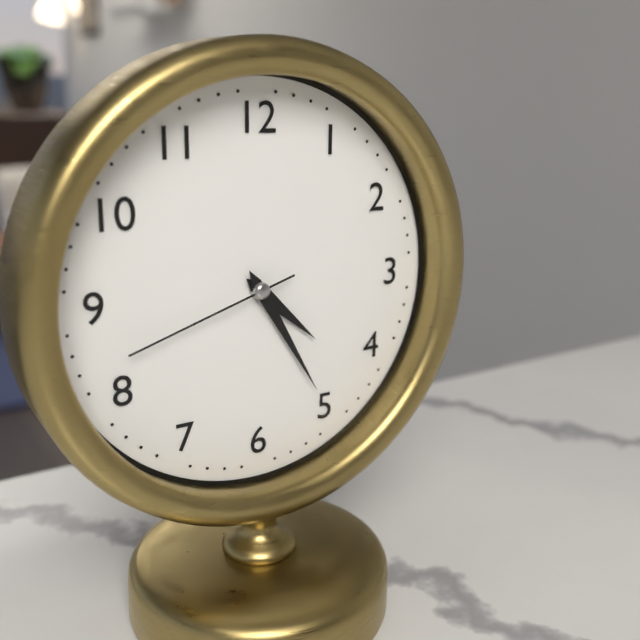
**4:25:42**
